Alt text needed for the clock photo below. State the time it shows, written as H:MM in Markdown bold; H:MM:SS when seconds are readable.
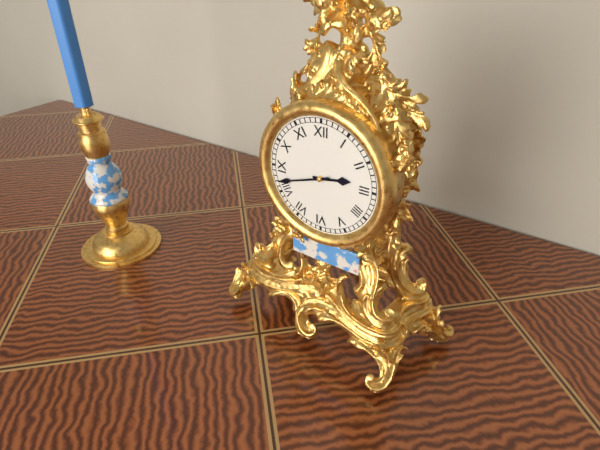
**2:42**
